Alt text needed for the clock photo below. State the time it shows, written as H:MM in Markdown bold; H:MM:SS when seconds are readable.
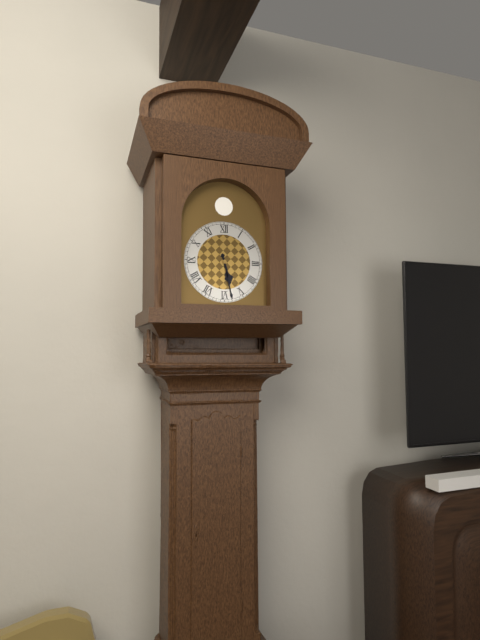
**5:28**
